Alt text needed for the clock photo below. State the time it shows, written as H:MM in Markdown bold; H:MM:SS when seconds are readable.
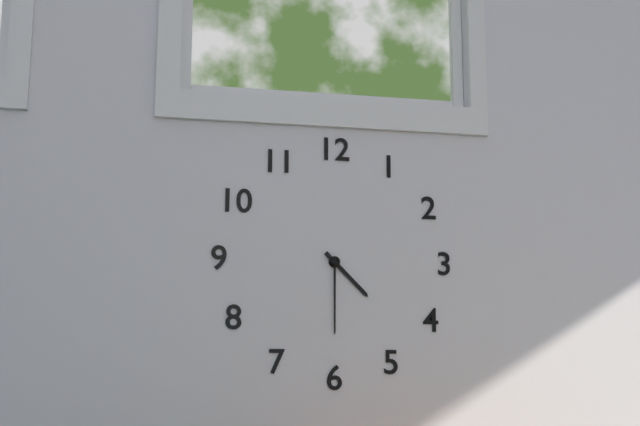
**4:30**
